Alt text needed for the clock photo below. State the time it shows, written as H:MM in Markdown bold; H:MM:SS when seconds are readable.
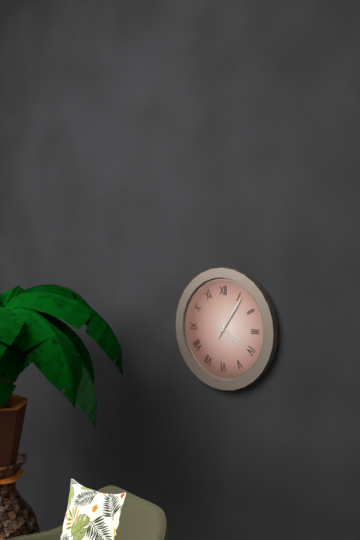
**4:06**
